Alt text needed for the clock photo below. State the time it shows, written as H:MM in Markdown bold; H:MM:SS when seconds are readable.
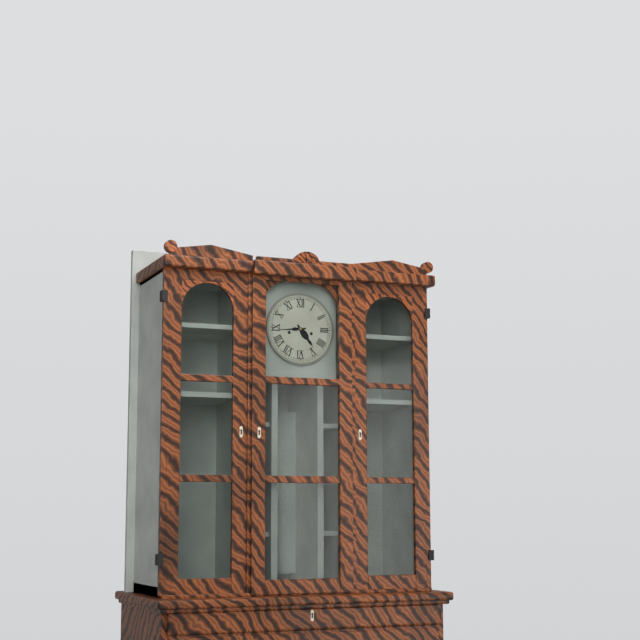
**4:44**
